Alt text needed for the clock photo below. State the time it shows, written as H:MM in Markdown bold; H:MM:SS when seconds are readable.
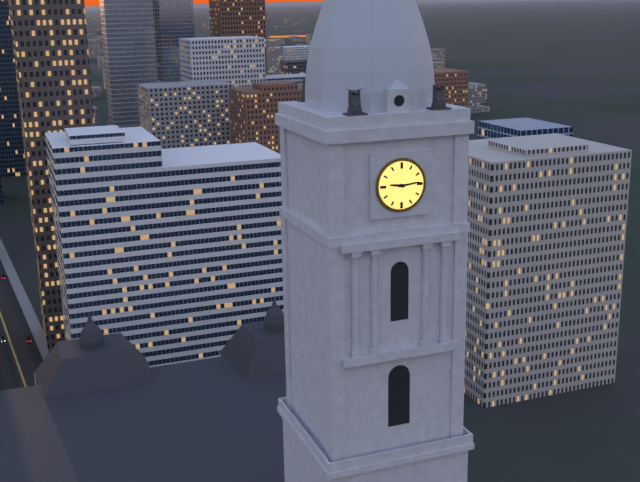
**9:14**
